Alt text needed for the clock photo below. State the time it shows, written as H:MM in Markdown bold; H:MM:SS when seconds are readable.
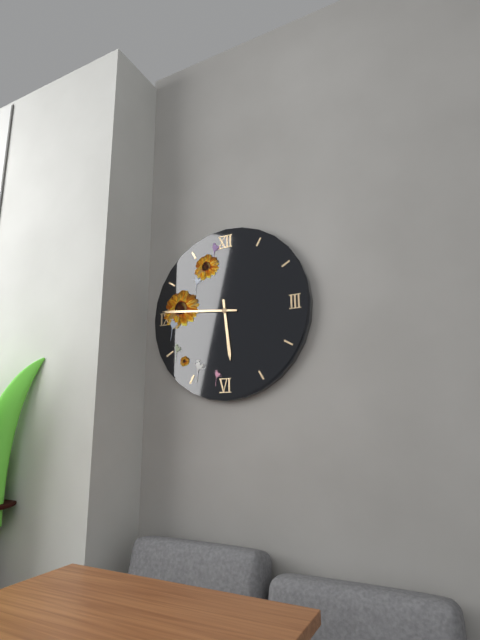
**5:46**
